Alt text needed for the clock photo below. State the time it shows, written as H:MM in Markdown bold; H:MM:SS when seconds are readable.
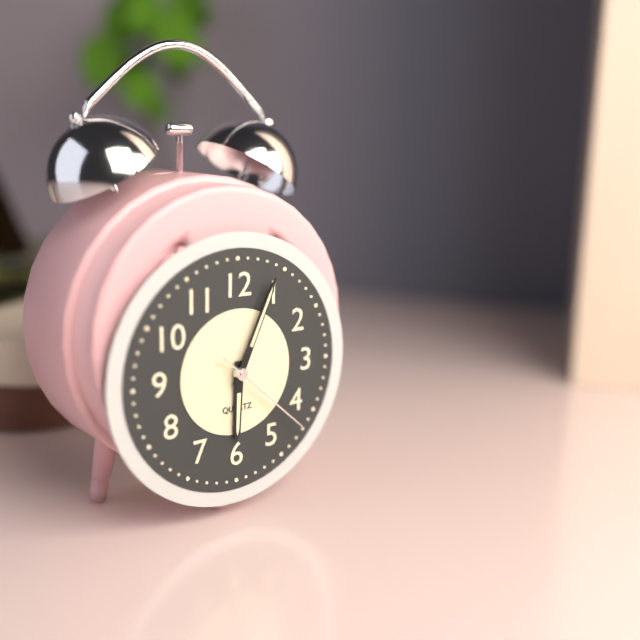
**6:04:22**
